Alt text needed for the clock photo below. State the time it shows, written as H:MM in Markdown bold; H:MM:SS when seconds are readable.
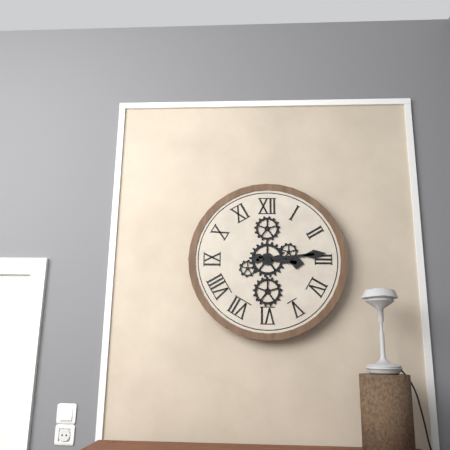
**3:14**
